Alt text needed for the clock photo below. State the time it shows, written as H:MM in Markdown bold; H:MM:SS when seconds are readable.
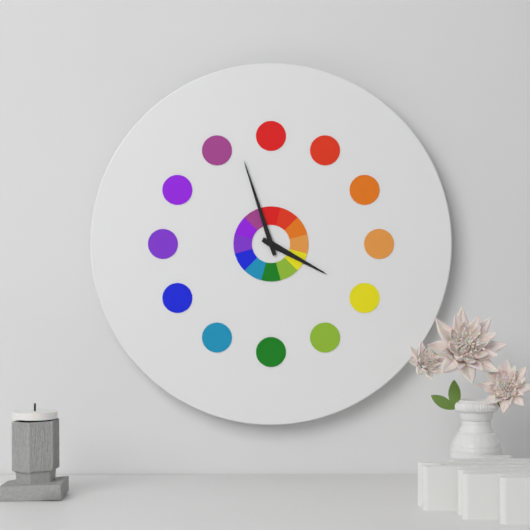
**3:57**
